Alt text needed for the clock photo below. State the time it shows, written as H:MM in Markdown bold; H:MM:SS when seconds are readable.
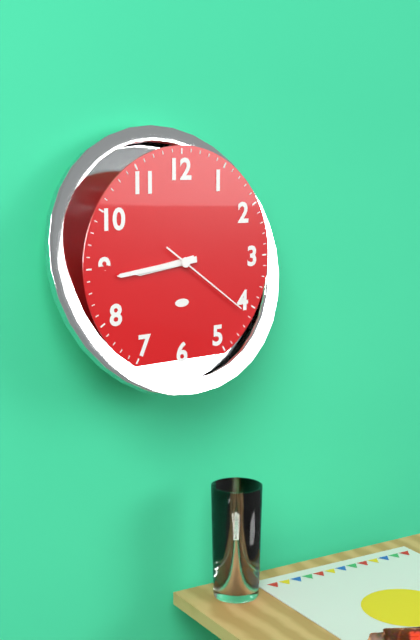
**8:44:21**
